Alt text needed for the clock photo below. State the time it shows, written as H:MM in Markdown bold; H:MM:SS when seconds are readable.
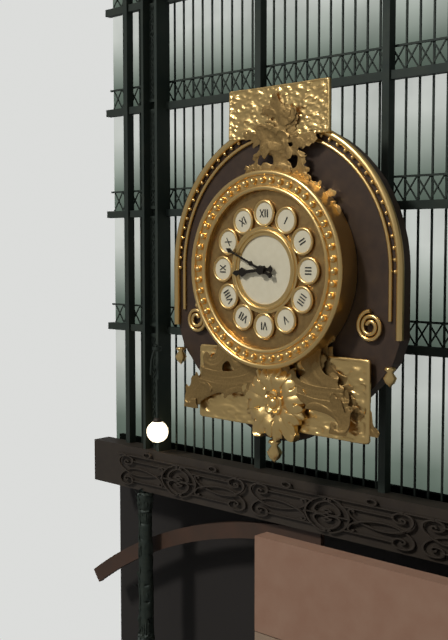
**8:49**
